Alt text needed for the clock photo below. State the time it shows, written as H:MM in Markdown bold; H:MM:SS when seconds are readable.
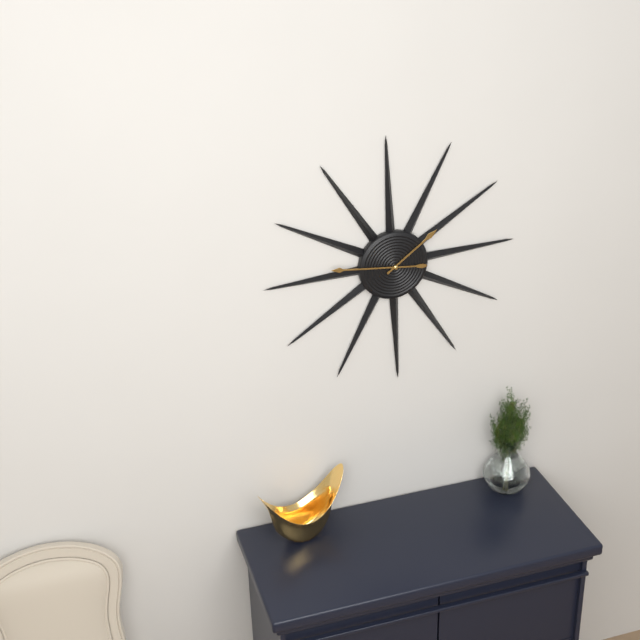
**1:46**
